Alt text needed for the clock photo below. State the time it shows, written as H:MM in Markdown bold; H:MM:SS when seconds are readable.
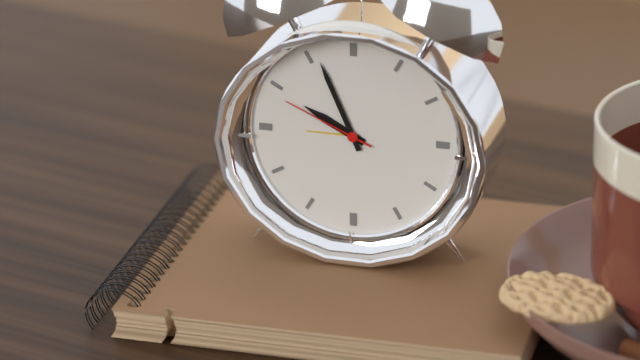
**9:56:49**
